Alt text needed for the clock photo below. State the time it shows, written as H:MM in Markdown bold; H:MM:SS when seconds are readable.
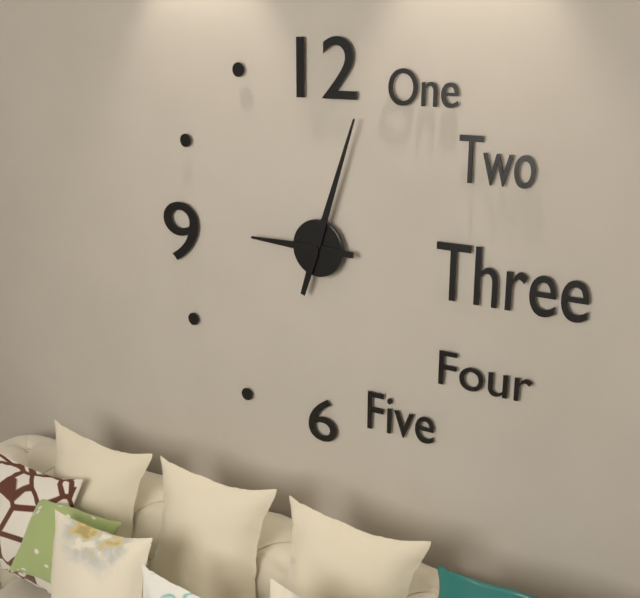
**9:03**
